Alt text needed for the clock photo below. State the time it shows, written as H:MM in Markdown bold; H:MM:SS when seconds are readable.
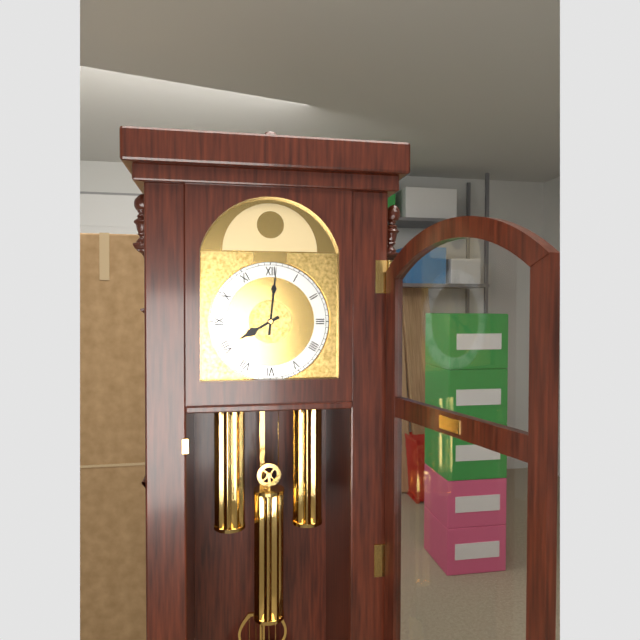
**8:01**
